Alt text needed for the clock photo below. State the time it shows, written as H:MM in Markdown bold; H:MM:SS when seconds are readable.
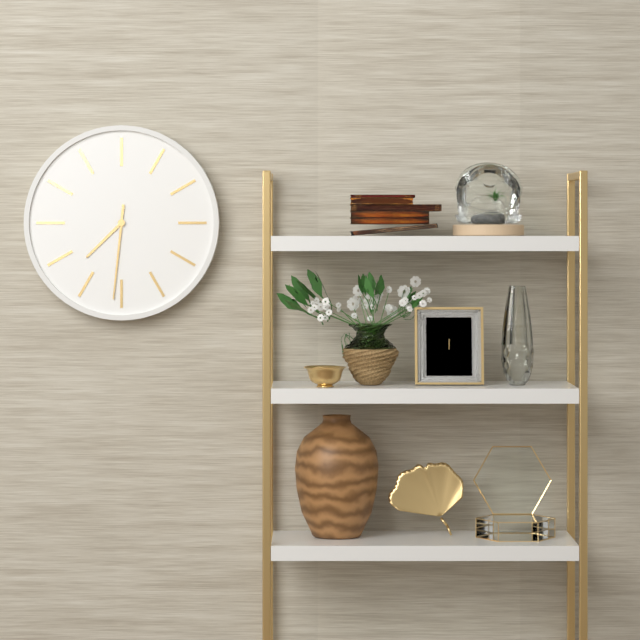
**7:31**
